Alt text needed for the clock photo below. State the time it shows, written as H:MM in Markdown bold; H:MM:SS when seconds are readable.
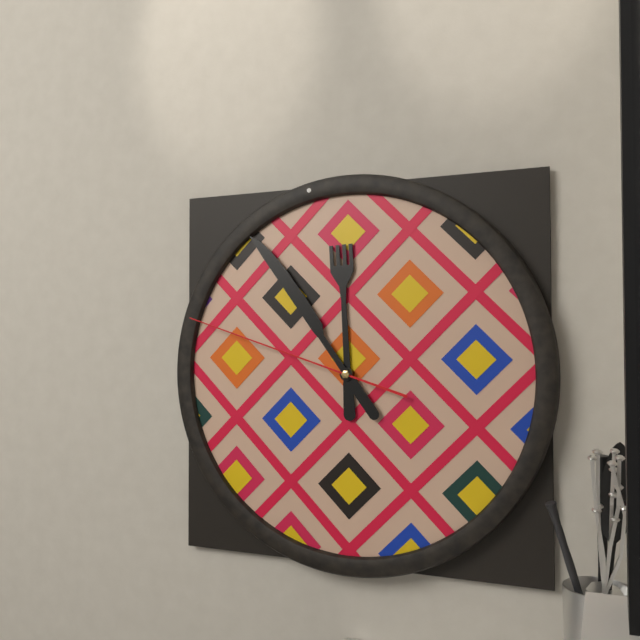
**11:54:48**
